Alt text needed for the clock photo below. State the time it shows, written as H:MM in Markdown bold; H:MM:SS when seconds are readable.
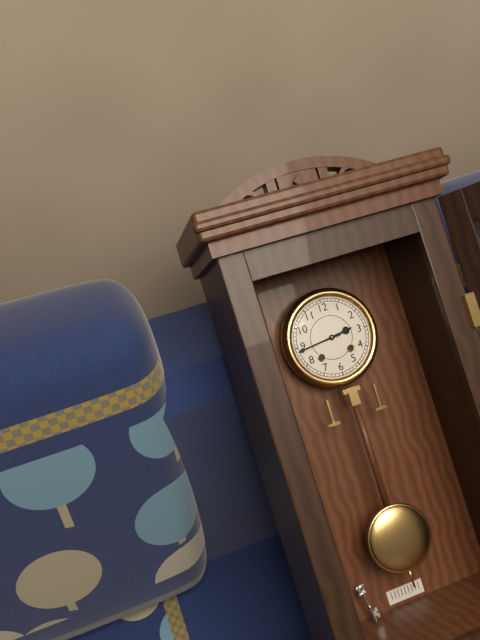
**2:44**
